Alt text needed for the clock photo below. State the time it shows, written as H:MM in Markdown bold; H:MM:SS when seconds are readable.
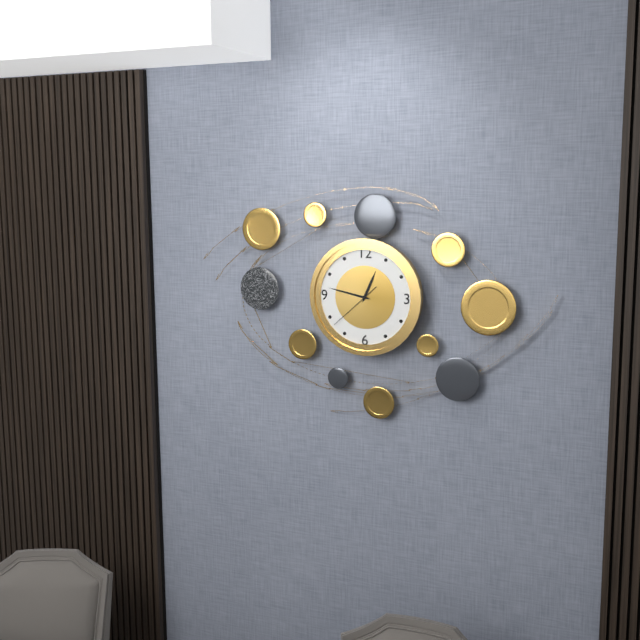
**12:47:38**
